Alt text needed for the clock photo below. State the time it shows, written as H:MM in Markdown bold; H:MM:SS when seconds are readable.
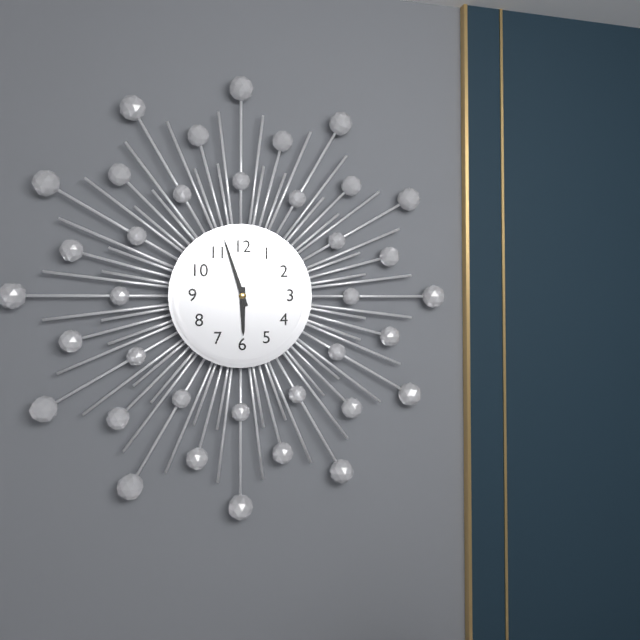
**5:57**
